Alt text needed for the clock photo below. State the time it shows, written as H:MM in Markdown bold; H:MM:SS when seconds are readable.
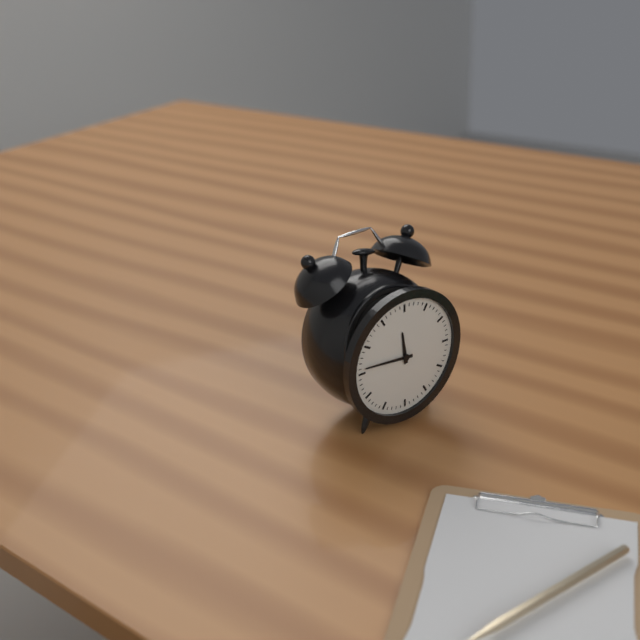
**11:46**
